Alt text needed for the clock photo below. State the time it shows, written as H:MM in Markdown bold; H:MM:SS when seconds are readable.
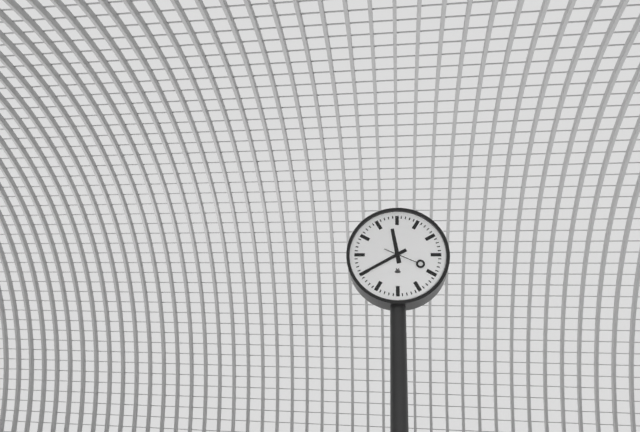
**11:40**
